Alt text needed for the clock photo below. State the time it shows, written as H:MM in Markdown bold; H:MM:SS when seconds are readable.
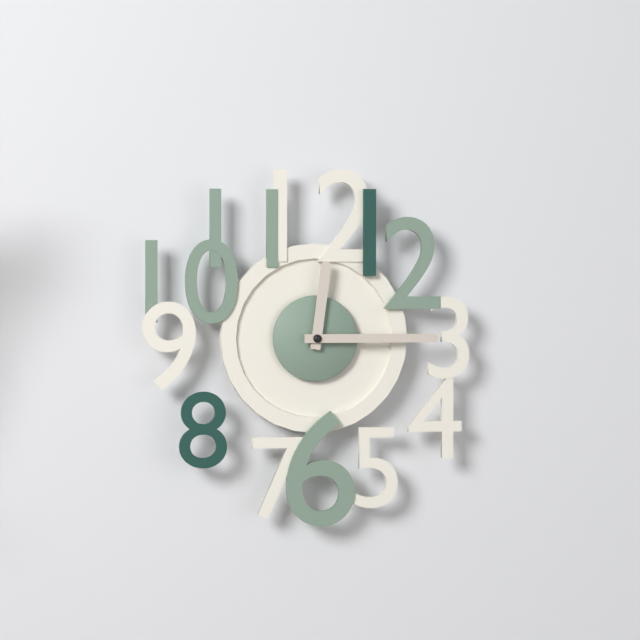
**12:15**
